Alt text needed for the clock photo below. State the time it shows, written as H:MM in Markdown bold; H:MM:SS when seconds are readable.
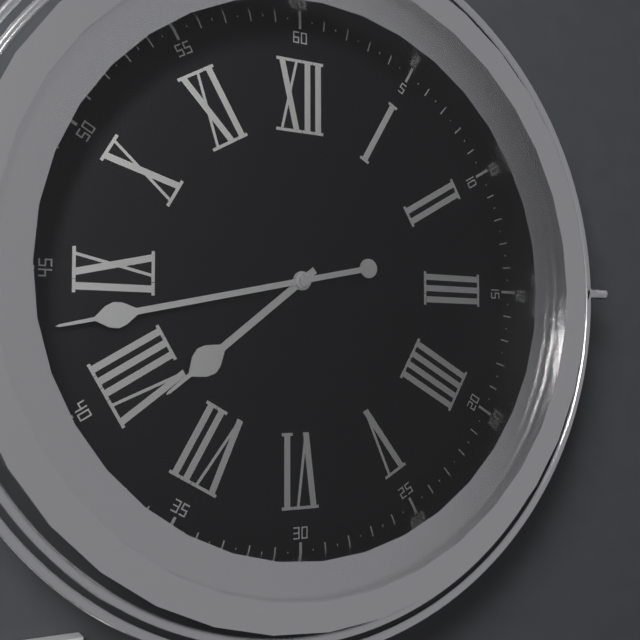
**7:43**
